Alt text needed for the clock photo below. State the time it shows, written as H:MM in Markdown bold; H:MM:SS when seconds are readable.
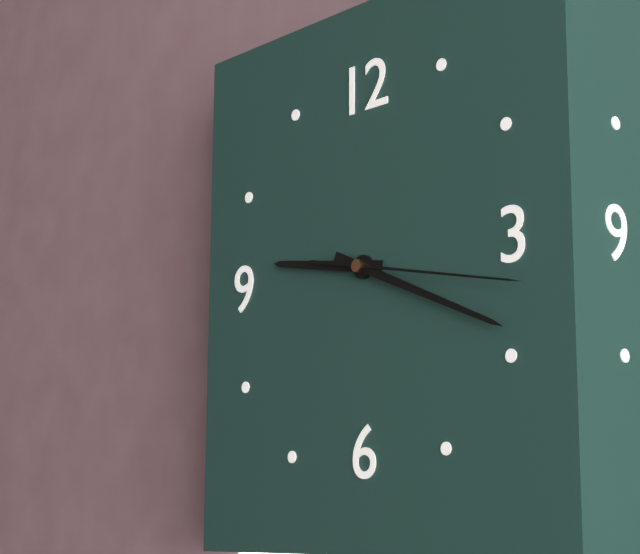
**9:19:17**
